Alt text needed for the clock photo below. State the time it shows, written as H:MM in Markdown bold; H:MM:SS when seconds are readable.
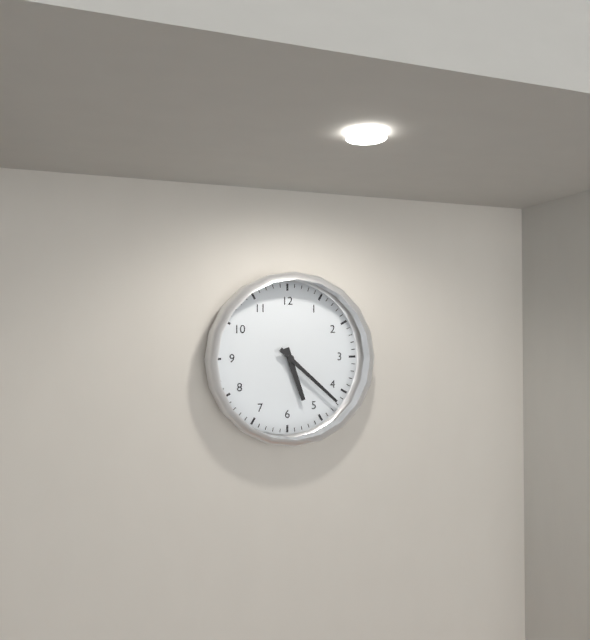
**5:22**
